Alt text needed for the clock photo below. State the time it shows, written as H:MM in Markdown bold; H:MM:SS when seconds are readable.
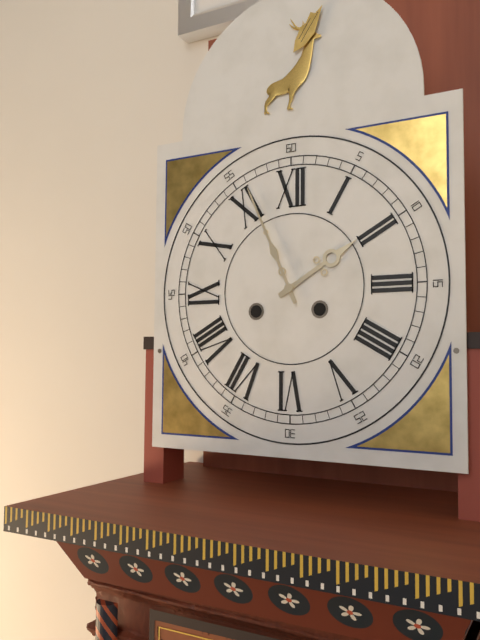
**1:56**
